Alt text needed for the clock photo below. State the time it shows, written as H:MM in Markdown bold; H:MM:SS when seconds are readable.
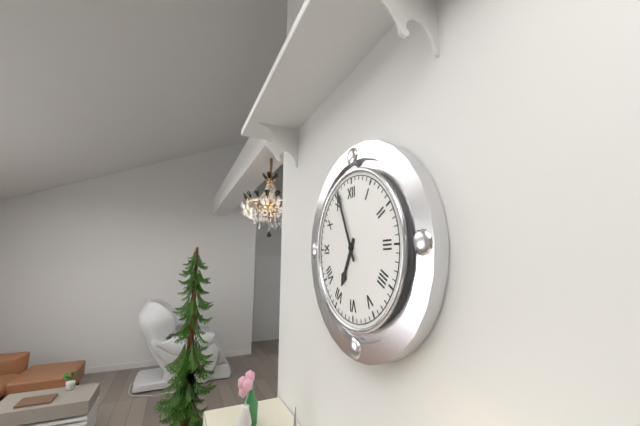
**6:56**
